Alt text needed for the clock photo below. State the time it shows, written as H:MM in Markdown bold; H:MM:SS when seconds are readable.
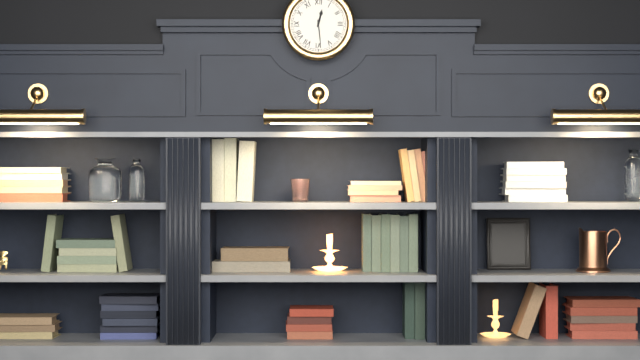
**12:29**
